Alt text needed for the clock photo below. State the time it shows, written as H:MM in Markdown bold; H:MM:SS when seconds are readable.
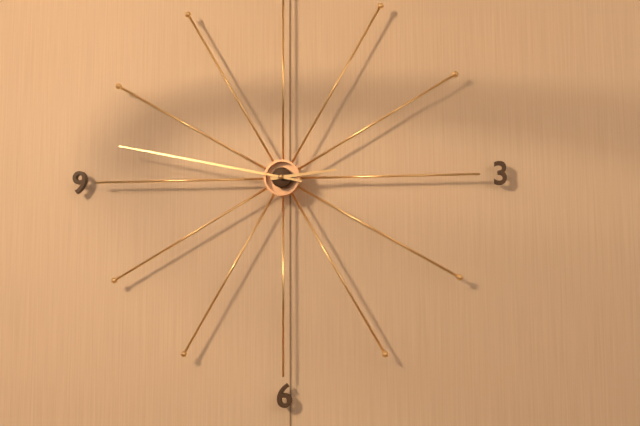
**2:47**
